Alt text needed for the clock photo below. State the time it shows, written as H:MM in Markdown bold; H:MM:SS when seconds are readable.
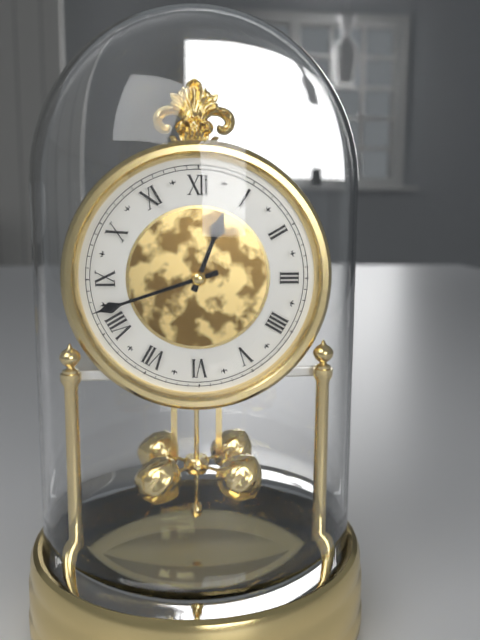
**12:42**
